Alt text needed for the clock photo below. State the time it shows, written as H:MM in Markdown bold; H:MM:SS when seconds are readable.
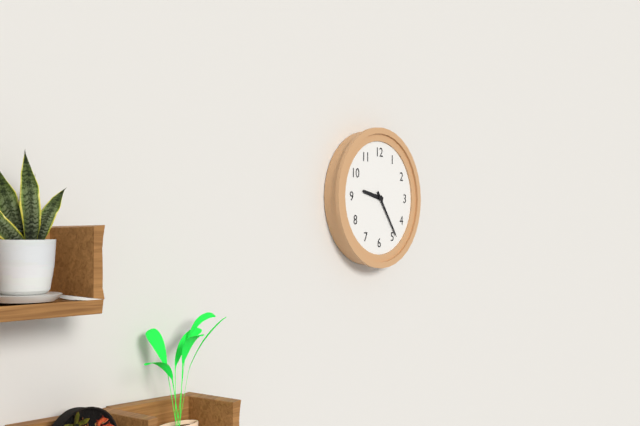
**9:24**
